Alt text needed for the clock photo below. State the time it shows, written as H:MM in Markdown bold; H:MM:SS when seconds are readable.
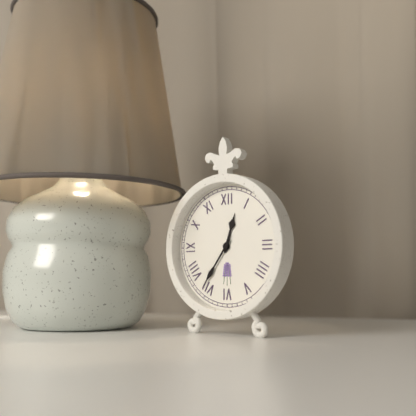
**12:36**
